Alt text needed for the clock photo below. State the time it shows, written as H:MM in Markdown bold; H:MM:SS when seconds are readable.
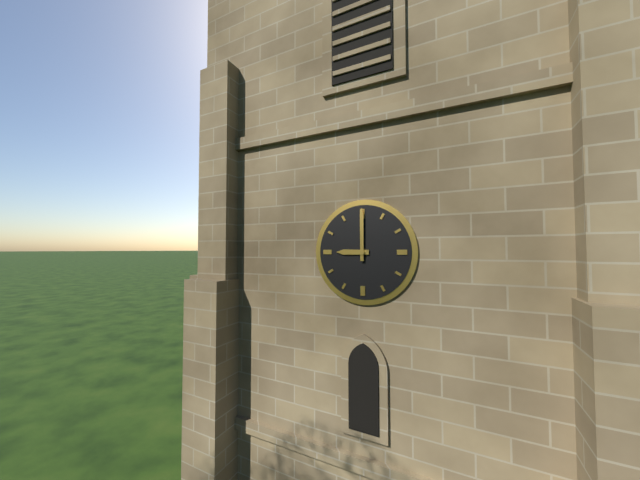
**9:00**
